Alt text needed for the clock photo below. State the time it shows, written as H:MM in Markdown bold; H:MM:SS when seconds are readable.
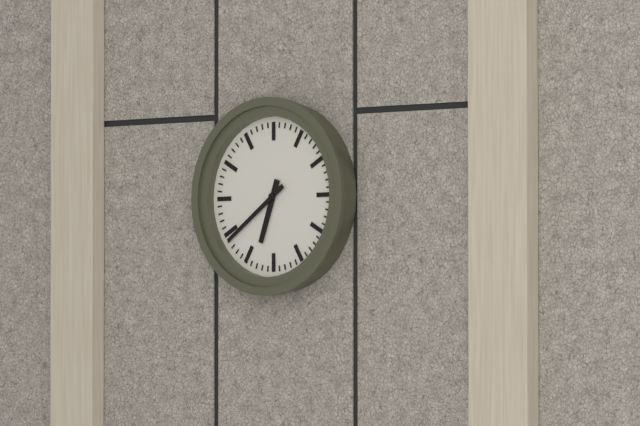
**6:39**
